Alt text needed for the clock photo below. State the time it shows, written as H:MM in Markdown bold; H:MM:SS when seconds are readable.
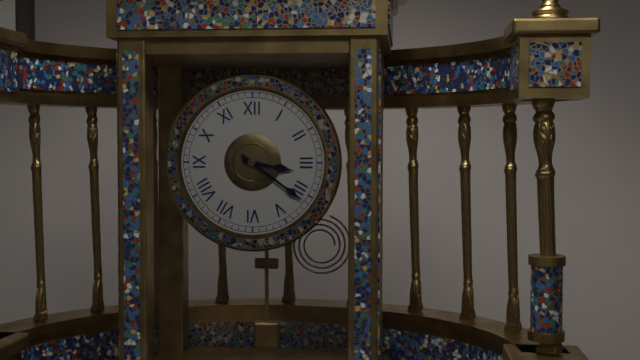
**3:21**
